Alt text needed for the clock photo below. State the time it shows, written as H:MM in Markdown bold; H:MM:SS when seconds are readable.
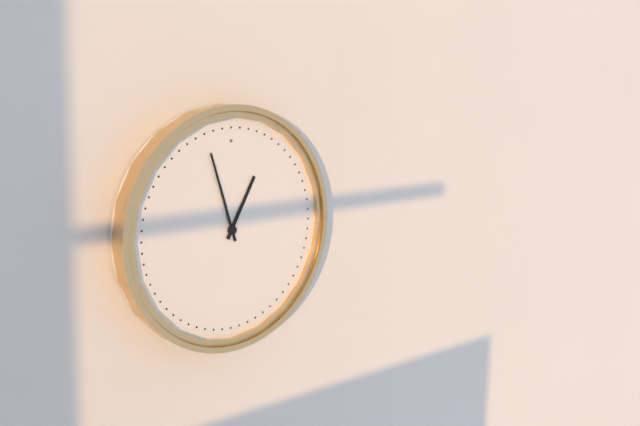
**12:57**
